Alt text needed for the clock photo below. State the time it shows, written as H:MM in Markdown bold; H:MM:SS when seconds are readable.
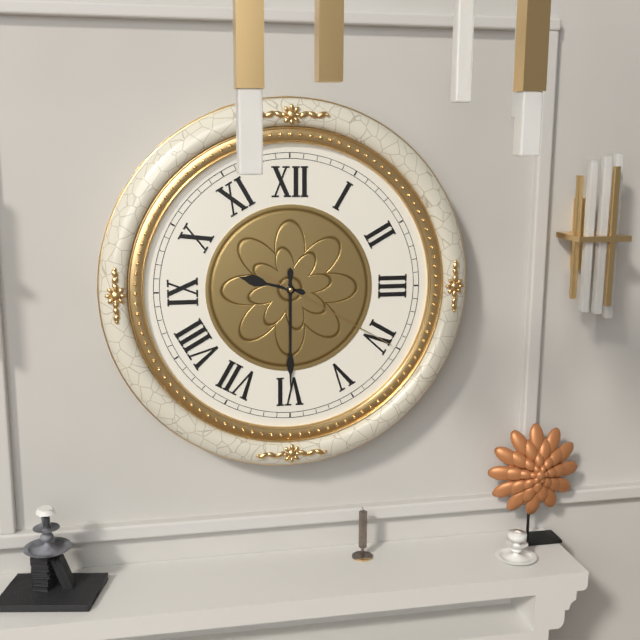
**9:30:20**
